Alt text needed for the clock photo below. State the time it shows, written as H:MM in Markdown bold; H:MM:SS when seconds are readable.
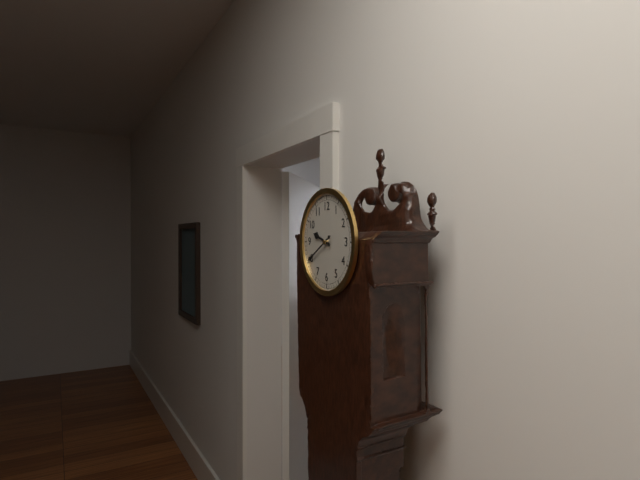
**9:40**
